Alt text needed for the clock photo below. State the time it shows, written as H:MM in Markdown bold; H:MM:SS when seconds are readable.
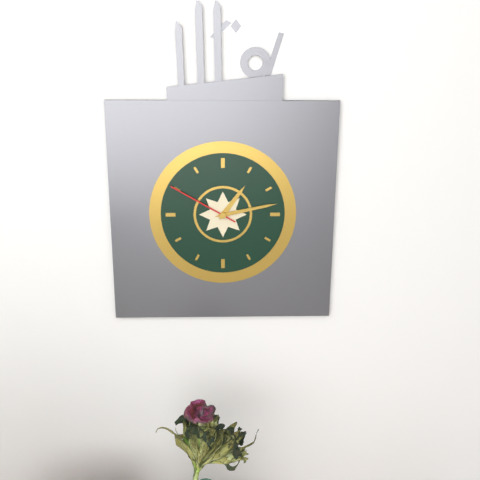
**1:13:50**
